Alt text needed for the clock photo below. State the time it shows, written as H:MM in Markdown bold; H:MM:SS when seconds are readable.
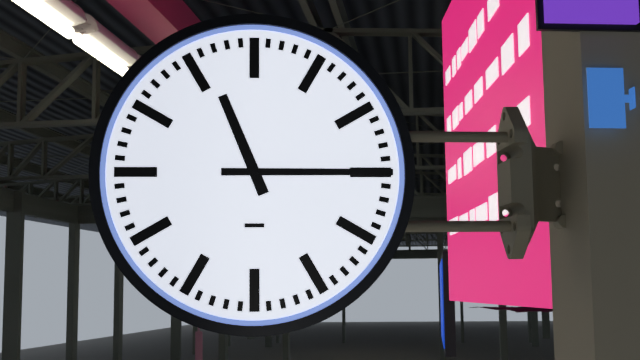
**11:15**
